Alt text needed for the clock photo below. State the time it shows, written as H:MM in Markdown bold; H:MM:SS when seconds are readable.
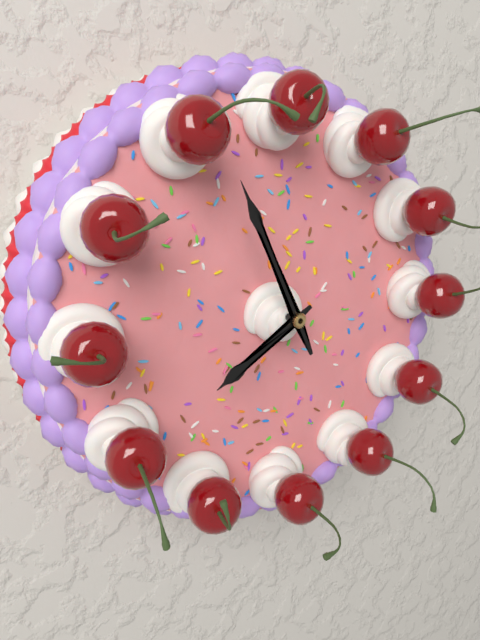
**7:56**
